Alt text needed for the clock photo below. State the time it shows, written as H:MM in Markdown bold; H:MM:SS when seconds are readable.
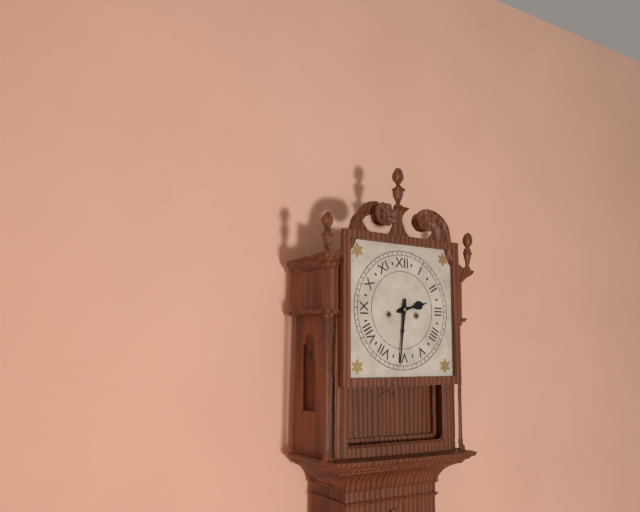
**2:31**
